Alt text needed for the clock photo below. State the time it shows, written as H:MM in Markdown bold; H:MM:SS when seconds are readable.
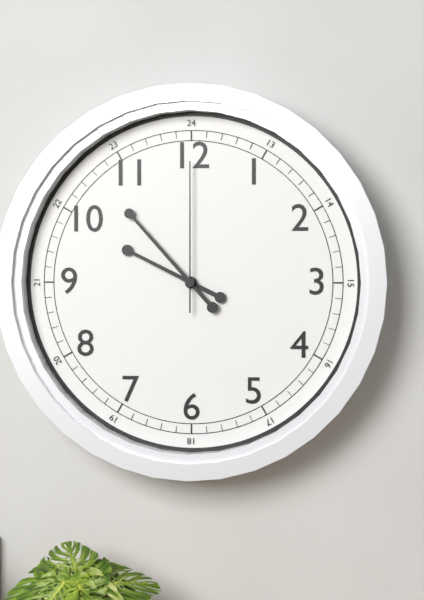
**9:53:00**
